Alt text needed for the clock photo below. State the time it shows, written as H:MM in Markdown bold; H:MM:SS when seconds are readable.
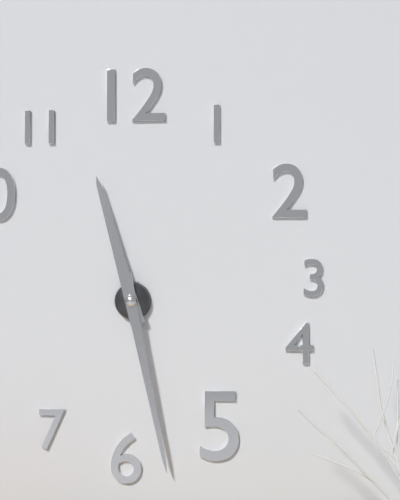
**11:28**
